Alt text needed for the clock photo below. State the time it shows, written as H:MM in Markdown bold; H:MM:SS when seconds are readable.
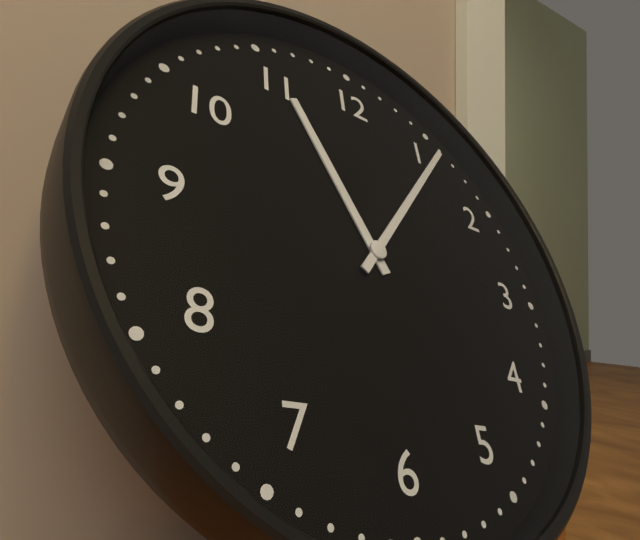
**11:06**
